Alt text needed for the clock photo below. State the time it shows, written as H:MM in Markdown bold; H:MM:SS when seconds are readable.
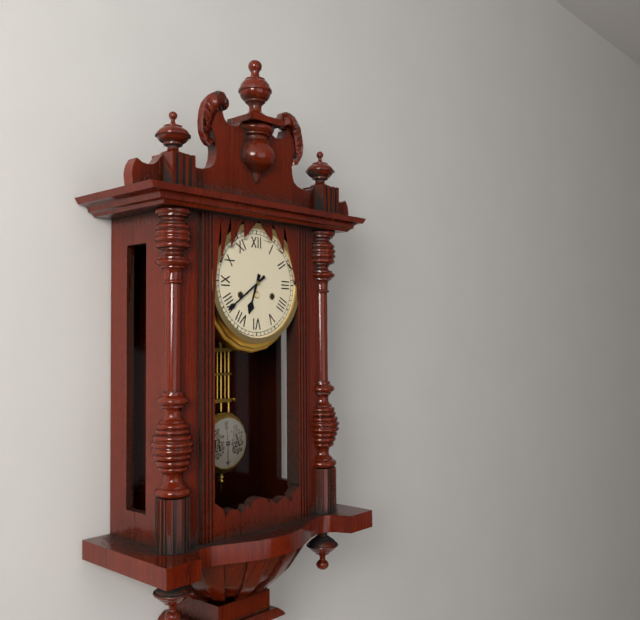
**6:39**
